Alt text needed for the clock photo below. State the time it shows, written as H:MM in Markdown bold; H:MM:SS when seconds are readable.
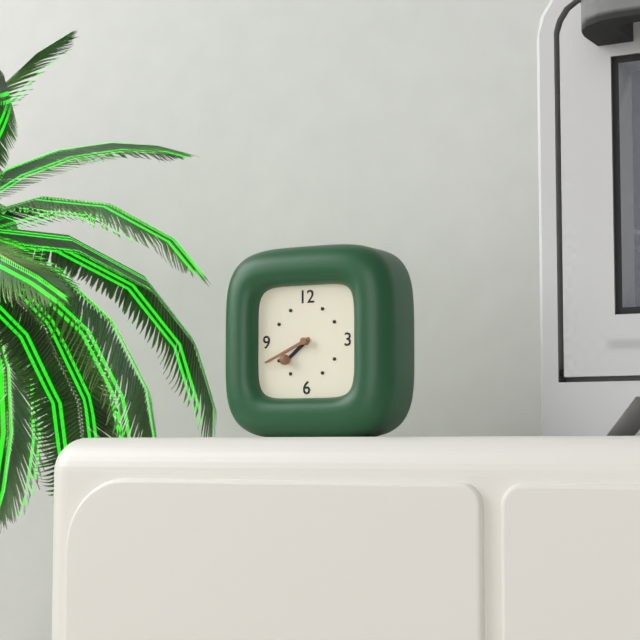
**7:41**
